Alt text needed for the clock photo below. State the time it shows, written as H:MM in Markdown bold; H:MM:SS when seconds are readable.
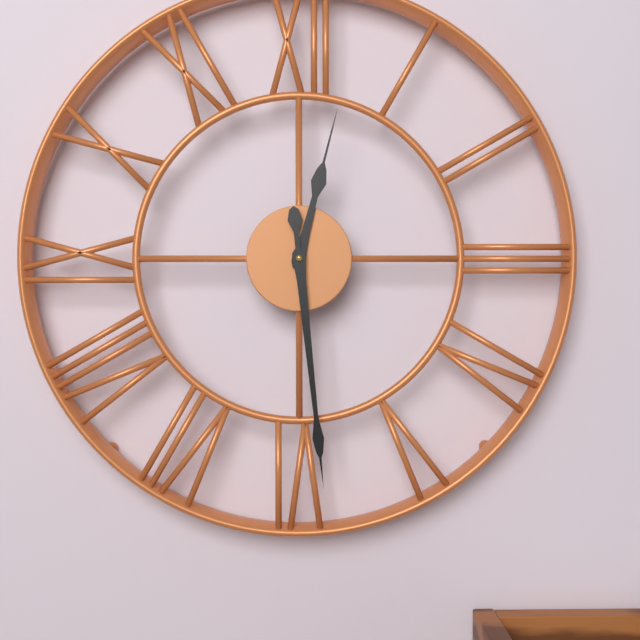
**12:29**
